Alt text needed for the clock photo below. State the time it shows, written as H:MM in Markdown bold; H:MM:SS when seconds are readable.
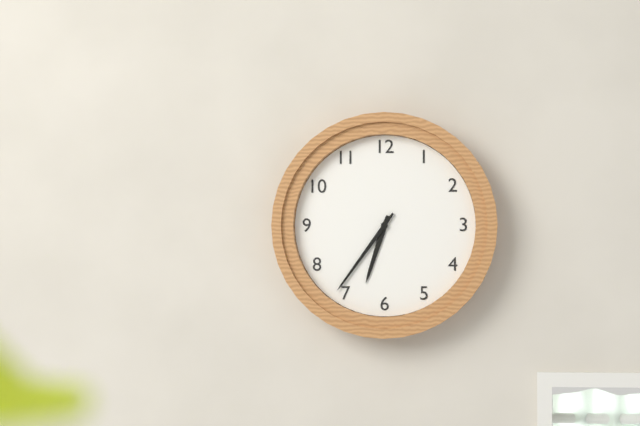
**6:36**
